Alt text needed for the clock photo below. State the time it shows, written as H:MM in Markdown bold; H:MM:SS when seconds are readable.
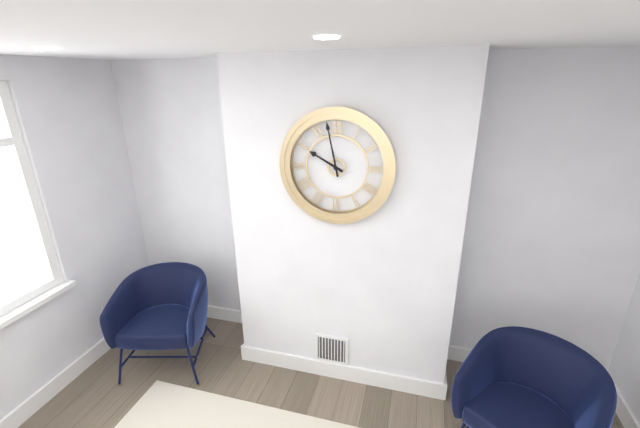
**9:58**
